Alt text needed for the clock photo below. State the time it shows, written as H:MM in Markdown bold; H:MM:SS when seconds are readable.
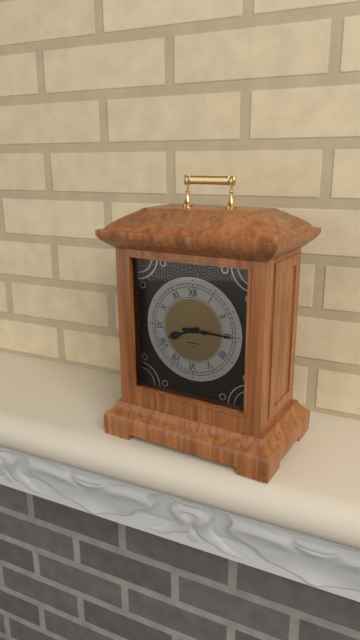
**8:15**
